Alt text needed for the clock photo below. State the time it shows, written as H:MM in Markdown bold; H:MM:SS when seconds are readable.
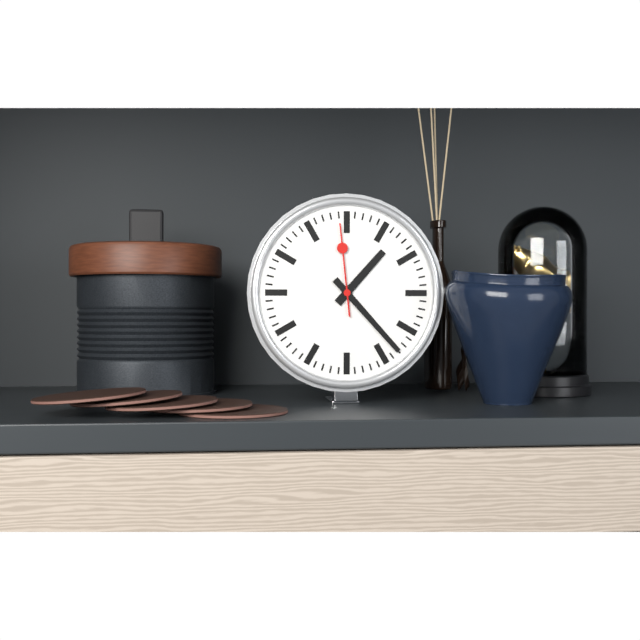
**1:23:59**
